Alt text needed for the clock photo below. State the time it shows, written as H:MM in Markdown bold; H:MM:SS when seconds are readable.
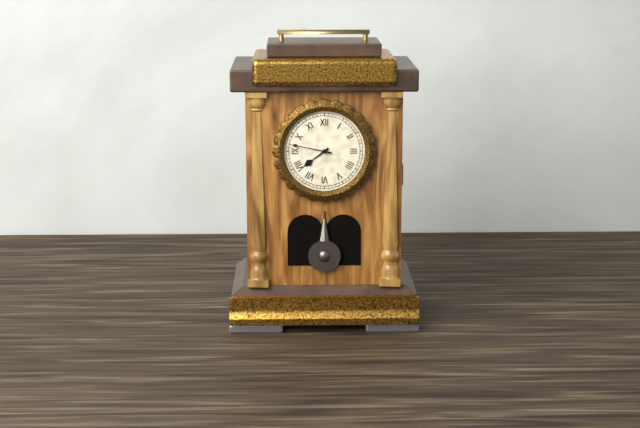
**7:47**
